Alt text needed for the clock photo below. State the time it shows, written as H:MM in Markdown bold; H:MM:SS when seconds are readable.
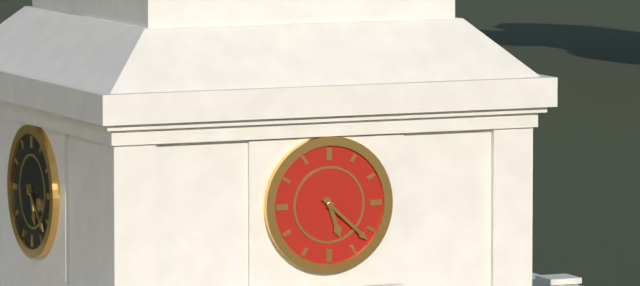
**5:22**
